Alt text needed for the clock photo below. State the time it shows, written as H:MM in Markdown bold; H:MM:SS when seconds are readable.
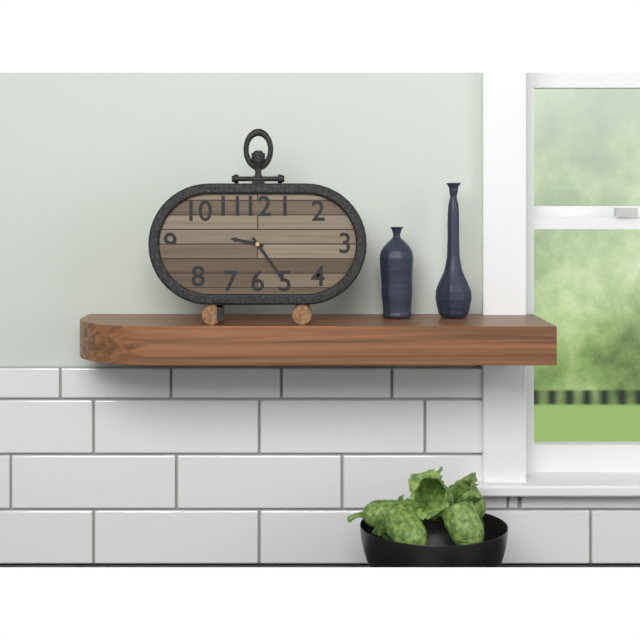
**9:24**
